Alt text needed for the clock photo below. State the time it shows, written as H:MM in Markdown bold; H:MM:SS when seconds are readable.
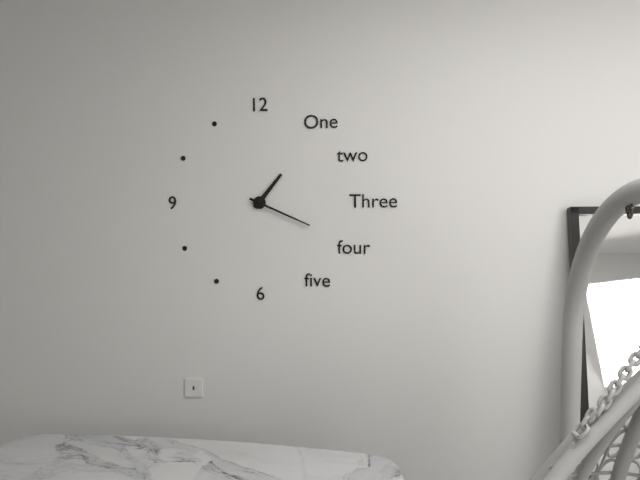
**1:19**
